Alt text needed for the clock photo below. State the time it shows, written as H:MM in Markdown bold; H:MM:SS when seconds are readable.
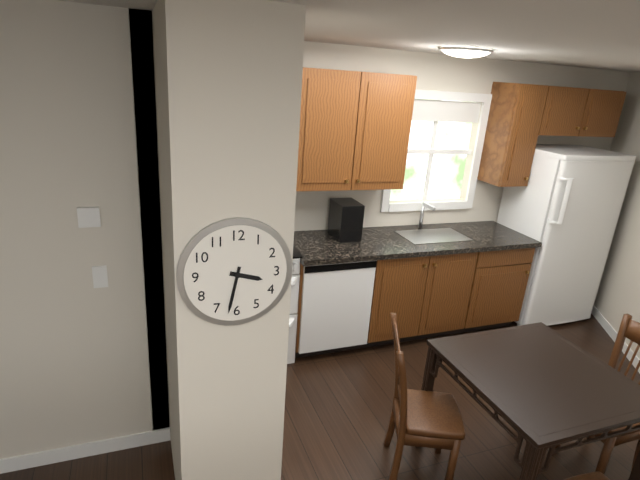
**3:32**
